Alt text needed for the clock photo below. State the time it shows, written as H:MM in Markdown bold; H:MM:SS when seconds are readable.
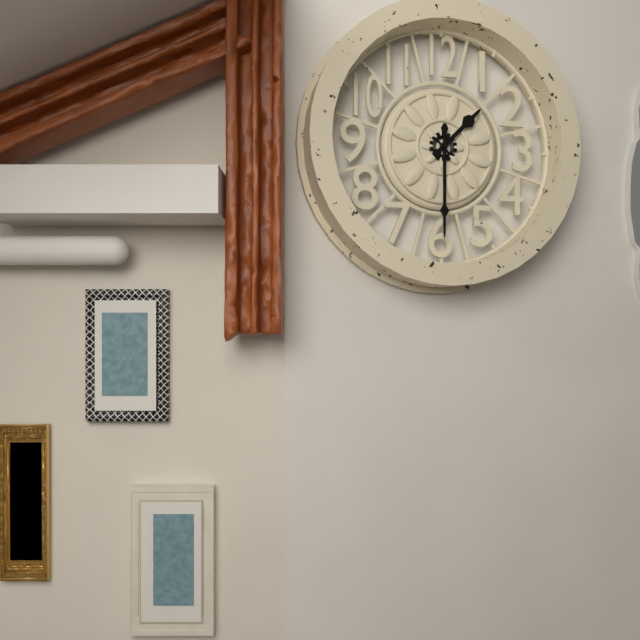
**1:30**
